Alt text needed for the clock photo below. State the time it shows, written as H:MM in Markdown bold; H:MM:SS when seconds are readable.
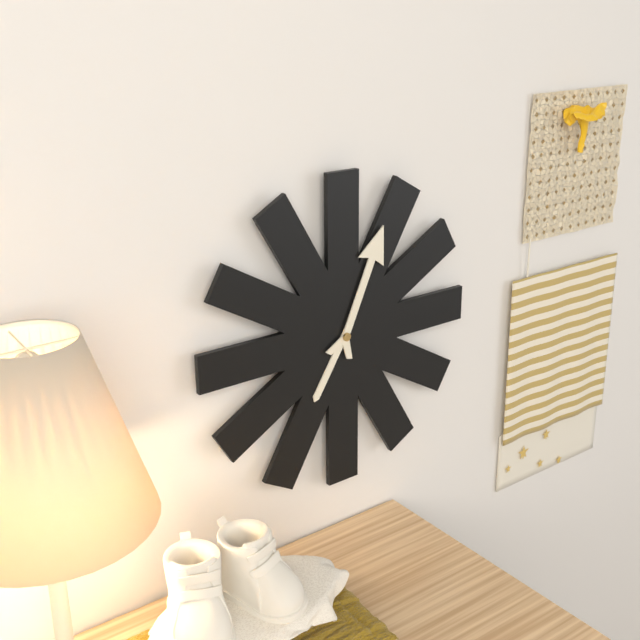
**7:04**
